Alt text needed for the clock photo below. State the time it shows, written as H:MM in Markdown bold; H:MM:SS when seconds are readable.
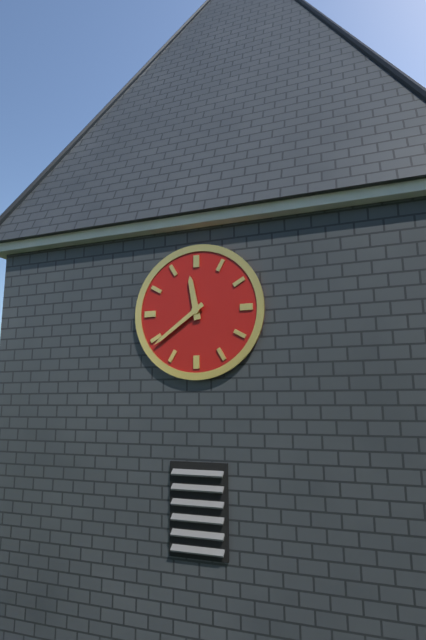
**11:39**
